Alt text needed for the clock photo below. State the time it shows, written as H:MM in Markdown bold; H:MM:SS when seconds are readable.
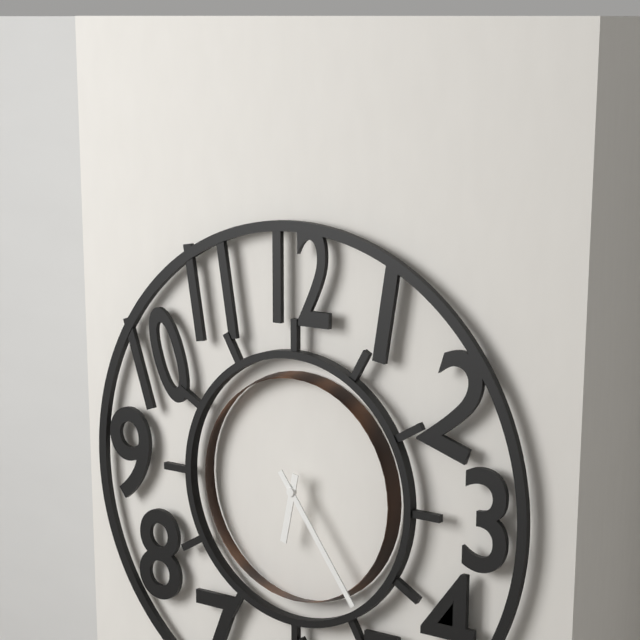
**6:24**
